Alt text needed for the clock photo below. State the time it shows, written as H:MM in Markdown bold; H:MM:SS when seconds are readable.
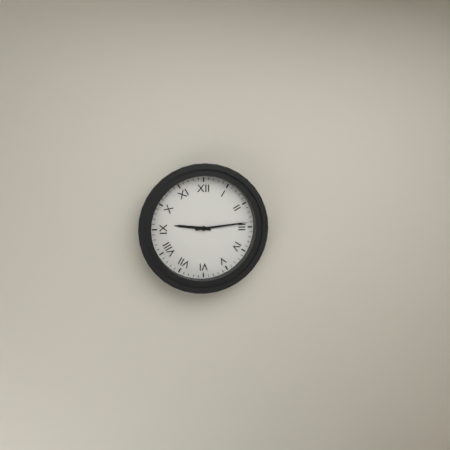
**9:14**
